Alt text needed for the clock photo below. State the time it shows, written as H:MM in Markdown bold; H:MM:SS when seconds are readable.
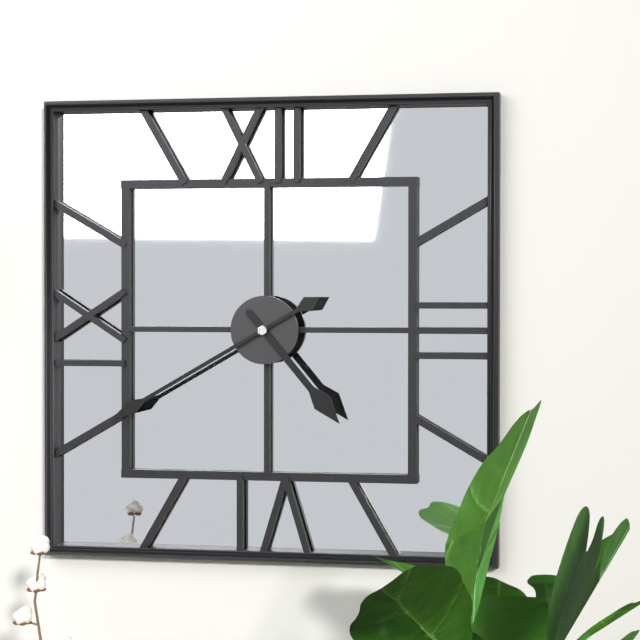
**4:40**
